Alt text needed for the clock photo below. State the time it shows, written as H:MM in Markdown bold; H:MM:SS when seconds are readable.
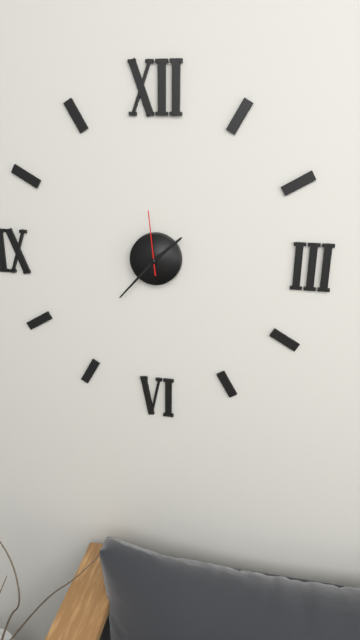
**1:37:59**
